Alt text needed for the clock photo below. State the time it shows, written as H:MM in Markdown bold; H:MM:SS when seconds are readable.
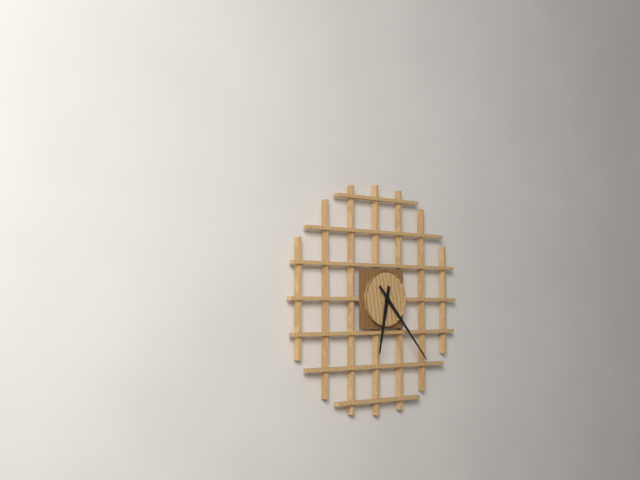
**6:23**
